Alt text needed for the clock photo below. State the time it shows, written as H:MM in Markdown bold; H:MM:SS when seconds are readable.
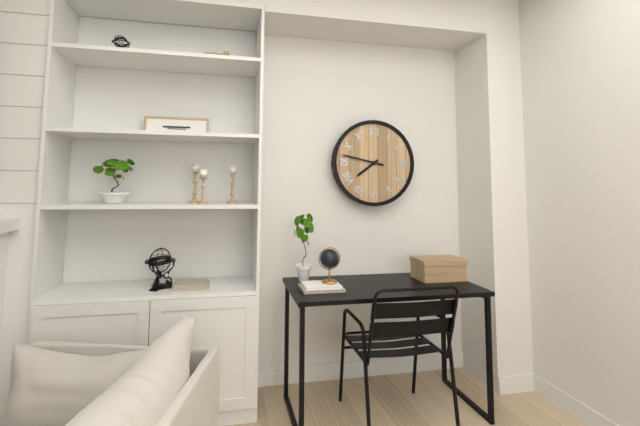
**7:47**
